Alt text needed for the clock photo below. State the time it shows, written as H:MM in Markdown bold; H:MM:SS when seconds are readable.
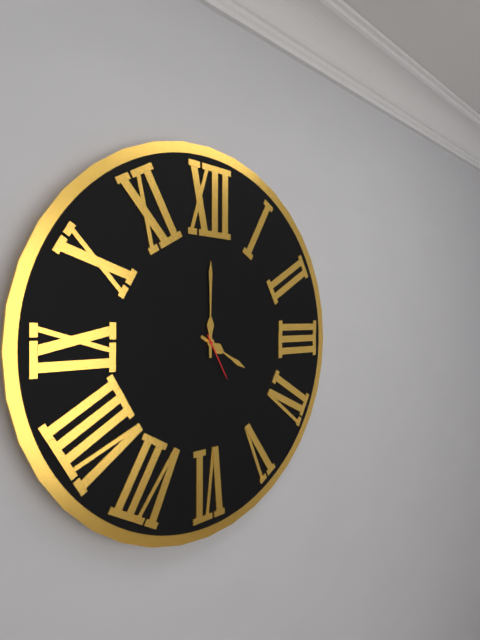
**4:00:25**
